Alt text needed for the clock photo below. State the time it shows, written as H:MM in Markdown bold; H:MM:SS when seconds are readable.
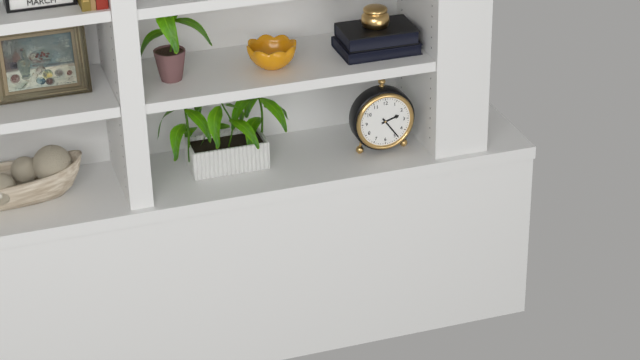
**2:24**
